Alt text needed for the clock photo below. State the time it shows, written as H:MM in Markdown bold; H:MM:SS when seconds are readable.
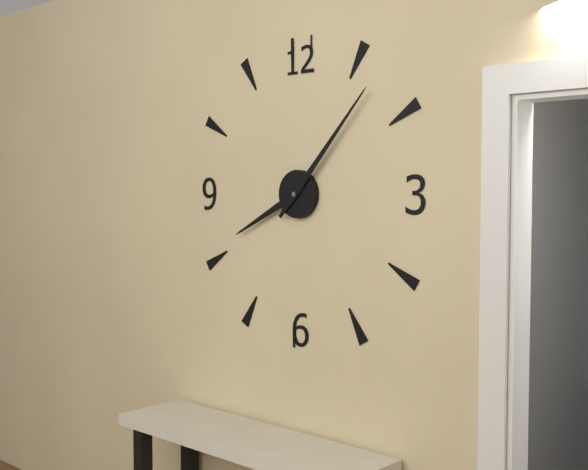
**8:07**
